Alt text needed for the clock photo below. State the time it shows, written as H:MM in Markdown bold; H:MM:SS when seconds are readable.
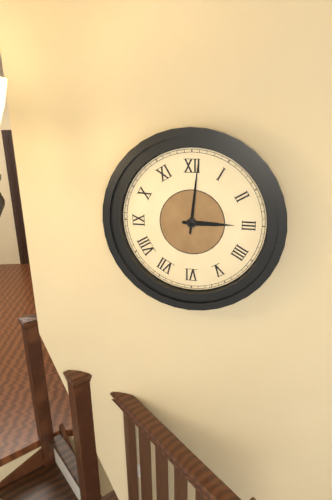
**3:01**
